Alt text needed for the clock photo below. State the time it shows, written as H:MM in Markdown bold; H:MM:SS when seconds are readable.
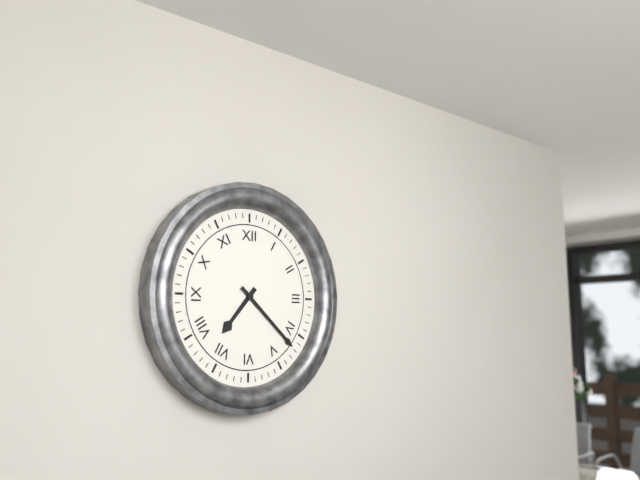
**7:22**
